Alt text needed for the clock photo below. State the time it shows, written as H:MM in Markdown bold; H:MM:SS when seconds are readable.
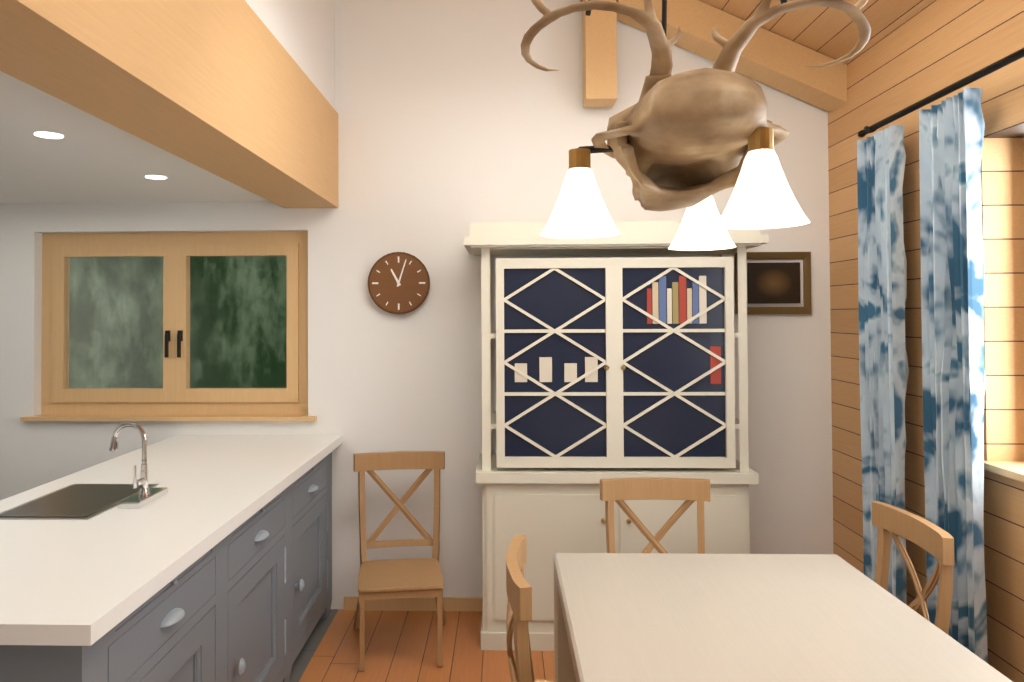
**11:03**
